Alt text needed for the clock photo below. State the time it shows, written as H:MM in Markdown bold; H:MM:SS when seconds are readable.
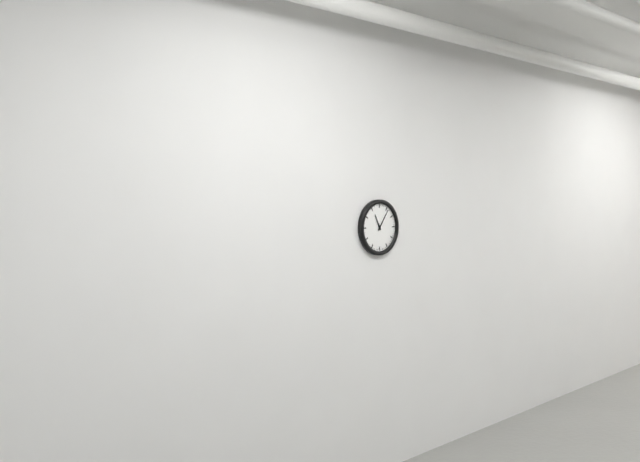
**11:06**
